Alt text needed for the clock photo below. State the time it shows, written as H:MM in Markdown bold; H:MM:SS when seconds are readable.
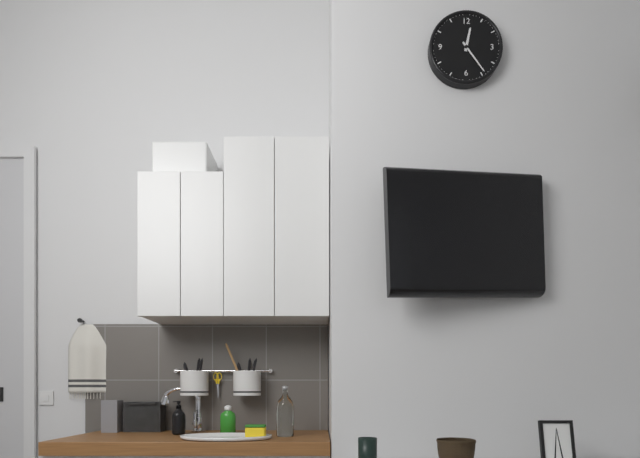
**12:24**
